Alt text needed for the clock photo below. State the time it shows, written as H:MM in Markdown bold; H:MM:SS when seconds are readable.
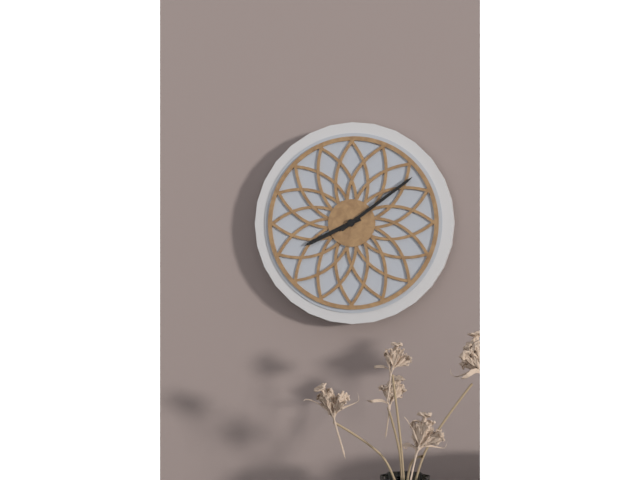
**8:09**
